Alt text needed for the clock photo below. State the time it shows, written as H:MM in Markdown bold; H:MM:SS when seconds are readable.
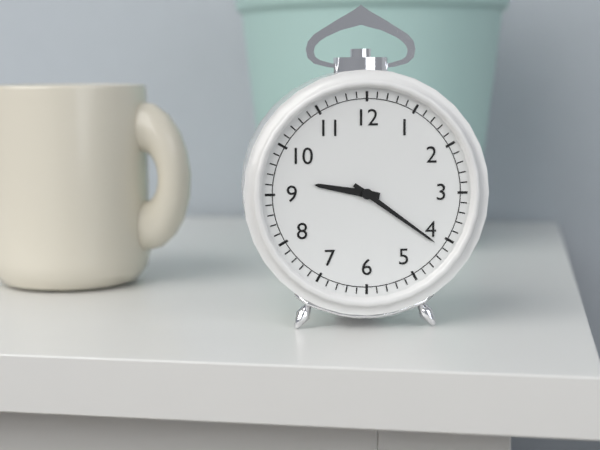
**9:21**
